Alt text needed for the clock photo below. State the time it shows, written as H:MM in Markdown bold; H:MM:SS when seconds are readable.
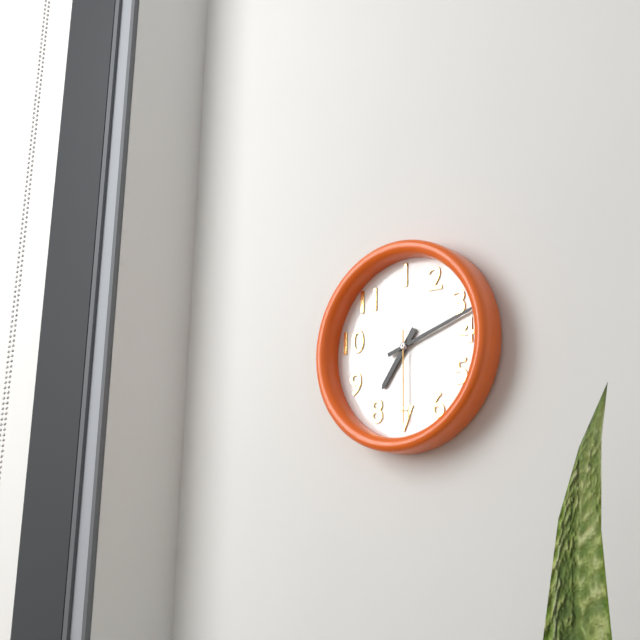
**7:12:30**
